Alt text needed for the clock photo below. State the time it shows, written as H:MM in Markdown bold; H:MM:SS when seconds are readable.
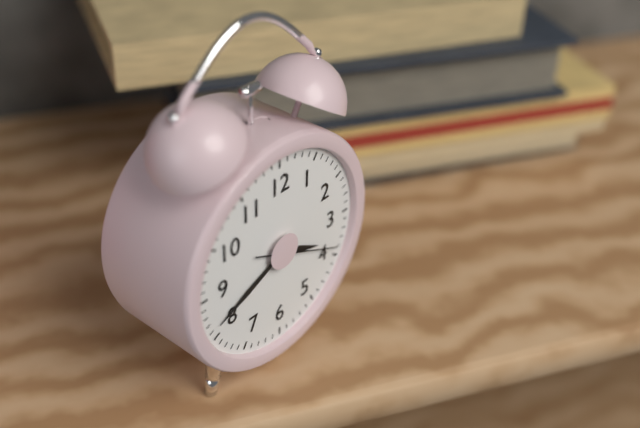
**3:41:19**
